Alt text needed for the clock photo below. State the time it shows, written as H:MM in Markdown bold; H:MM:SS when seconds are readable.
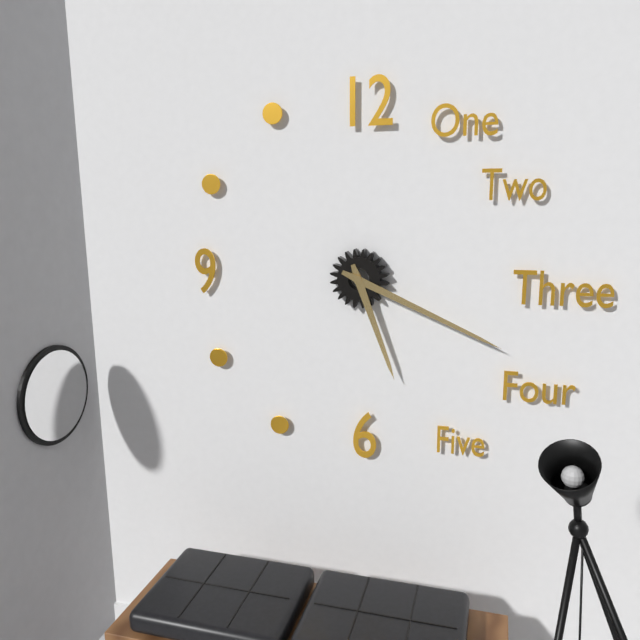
**5:19**
